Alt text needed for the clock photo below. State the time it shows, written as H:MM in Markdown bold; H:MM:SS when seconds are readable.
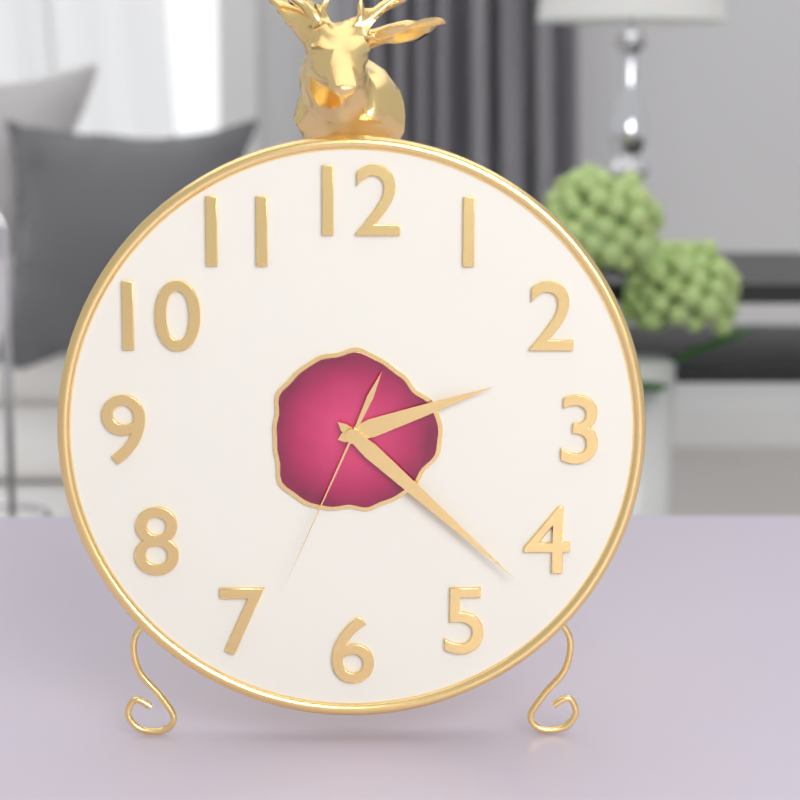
**2:22:34**
